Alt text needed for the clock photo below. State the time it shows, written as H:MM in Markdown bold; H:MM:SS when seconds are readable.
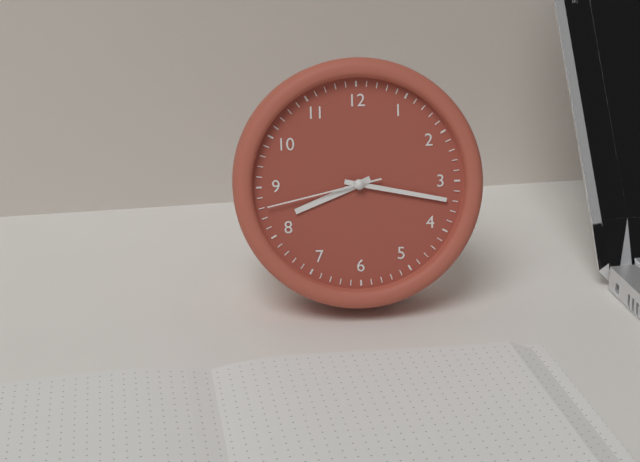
**8:17:43**
